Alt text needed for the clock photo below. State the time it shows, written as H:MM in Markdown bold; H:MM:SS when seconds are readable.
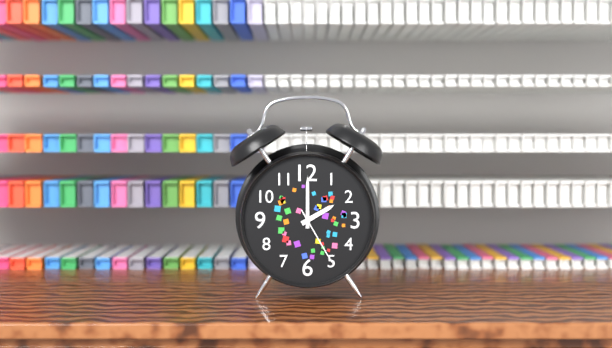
**2:00:25**
